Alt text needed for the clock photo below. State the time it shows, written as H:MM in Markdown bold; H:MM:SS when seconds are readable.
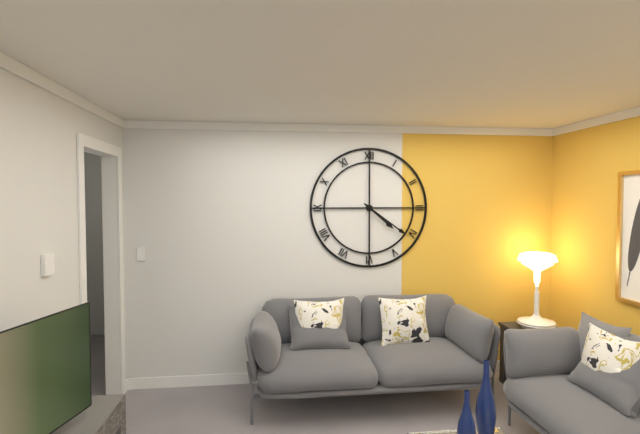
**4:21**
